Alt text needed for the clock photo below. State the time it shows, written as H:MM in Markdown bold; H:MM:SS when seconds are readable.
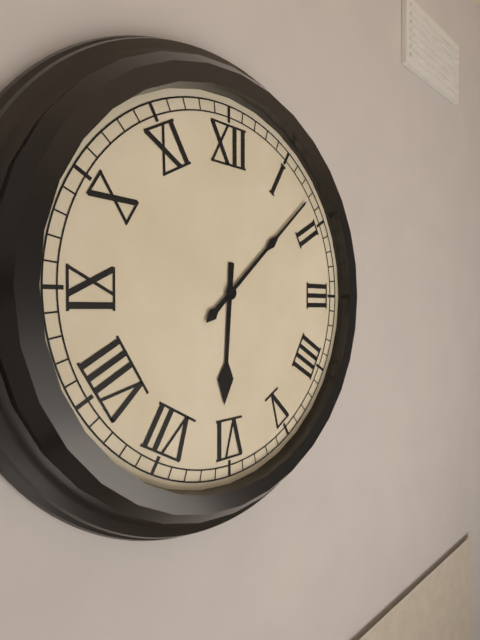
**6:08**
